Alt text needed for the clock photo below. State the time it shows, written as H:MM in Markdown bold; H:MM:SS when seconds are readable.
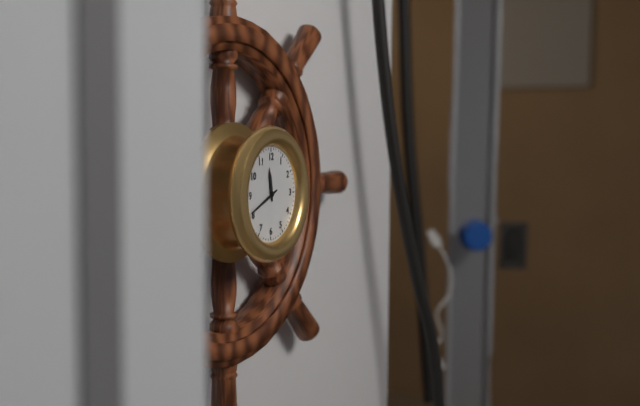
**11:41**
